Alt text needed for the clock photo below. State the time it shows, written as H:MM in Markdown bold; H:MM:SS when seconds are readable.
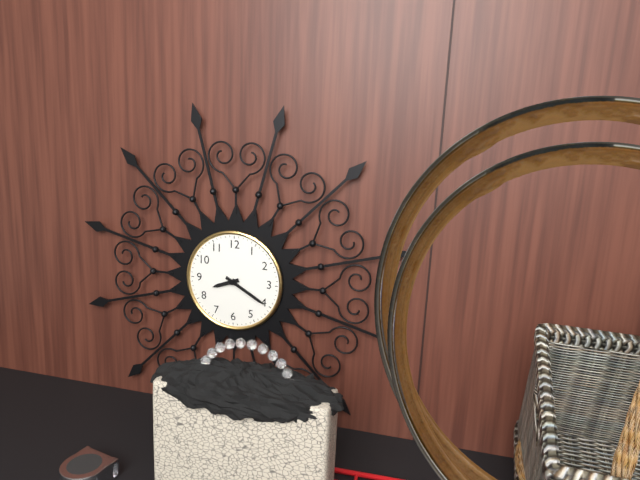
**8:20**
